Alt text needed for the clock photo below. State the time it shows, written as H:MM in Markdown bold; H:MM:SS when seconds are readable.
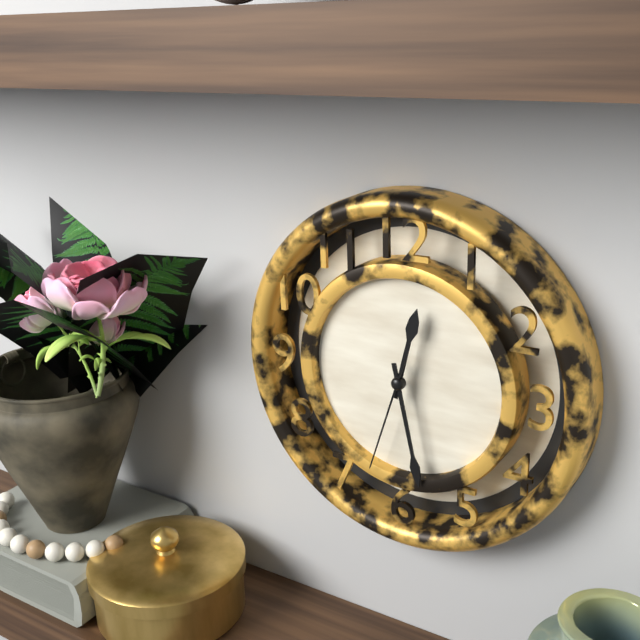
**12:28:33**
